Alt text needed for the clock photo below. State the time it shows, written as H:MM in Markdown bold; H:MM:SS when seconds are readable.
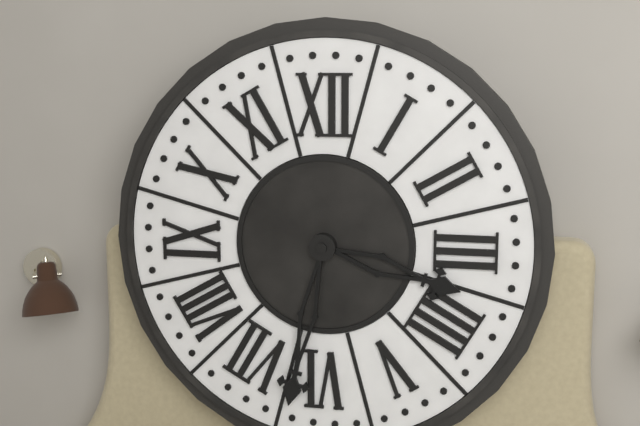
**3:32**
